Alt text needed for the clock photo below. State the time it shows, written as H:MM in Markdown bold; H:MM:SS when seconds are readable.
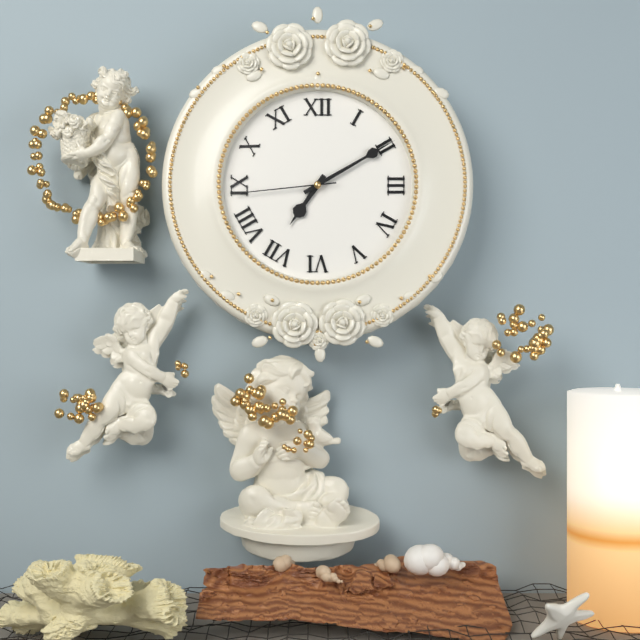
**7:10:44**
